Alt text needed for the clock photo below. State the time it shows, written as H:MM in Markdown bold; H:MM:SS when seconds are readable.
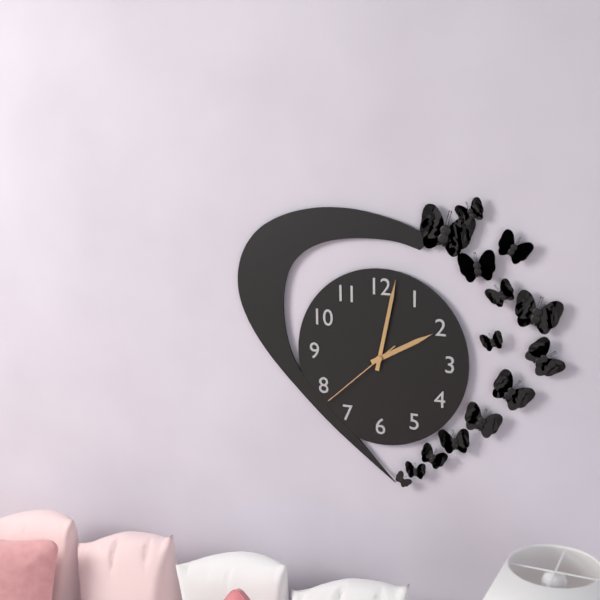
**2:02:38**
